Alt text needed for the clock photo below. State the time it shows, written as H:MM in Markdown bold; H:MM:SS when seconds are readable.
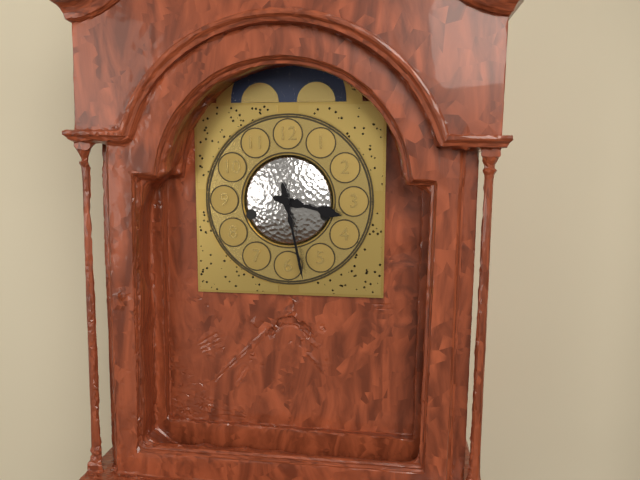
**3:28**
